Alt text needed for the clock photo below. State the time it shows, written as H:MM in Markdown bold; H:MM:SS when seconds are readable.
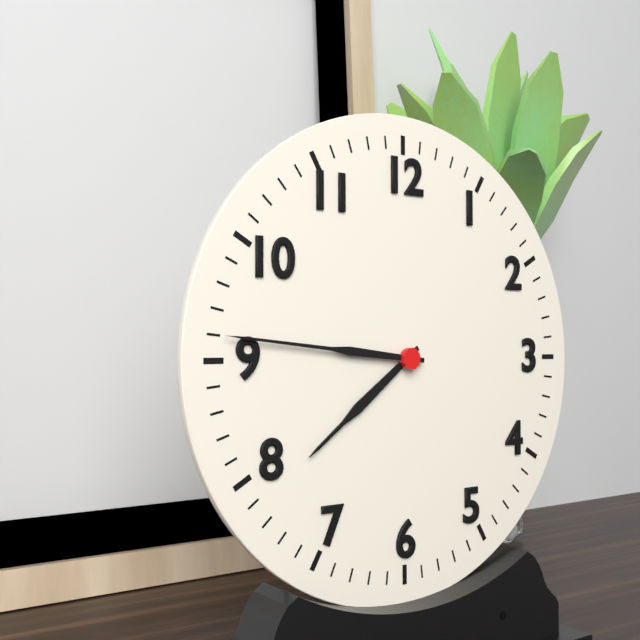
**7:46**
